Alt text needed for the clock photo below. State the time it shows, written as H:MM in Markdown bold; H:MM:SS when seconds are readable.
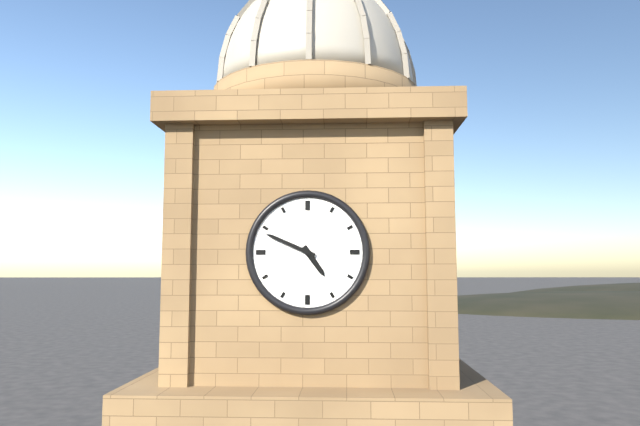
**4:49**
